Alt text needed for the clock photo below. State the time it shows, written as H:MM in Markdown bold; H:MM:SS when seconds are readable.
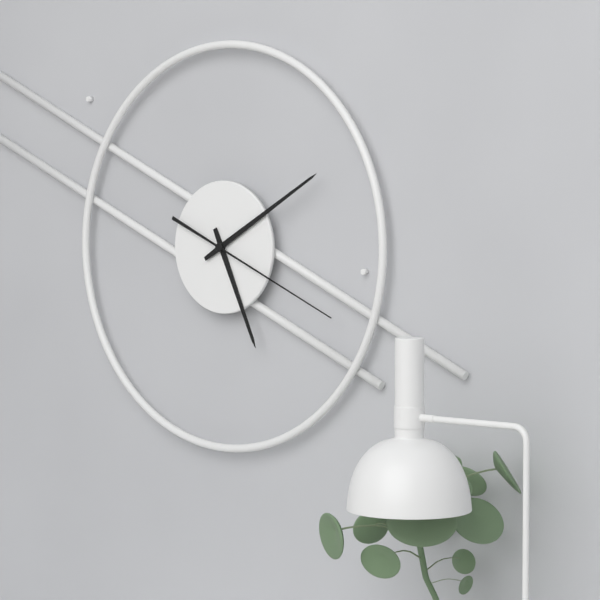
**5:10:19**
